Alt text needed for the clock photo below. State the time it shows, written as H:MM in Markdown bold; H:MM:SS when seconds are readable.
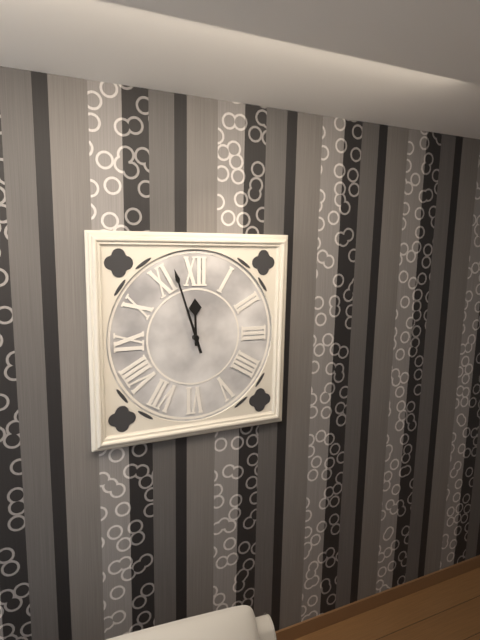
**11:57**
